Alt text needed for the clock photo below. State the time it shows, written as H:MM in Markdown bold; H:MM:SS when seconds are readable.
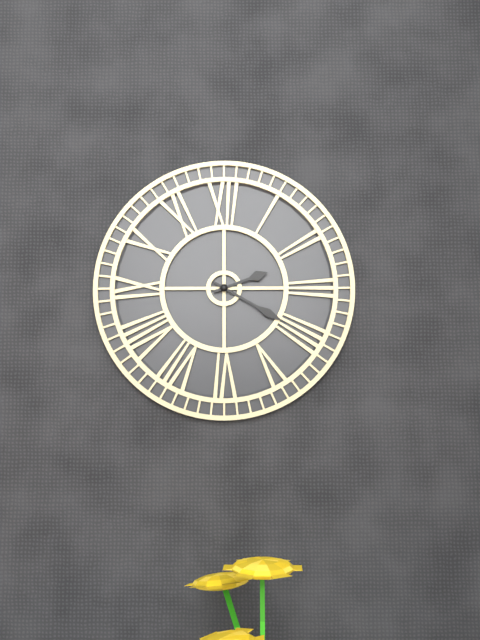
**2:20**
